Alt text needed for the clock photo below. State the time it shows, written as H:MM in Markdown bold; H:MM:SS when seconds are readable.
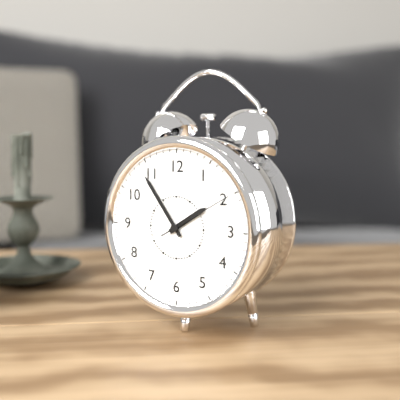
**1:54:10**
